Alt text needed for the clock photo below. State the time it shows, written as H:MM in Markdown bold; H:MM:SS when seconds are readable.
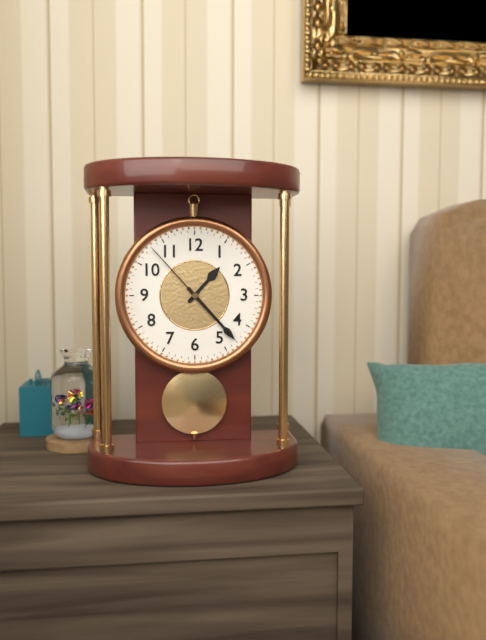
**1:23:53**
